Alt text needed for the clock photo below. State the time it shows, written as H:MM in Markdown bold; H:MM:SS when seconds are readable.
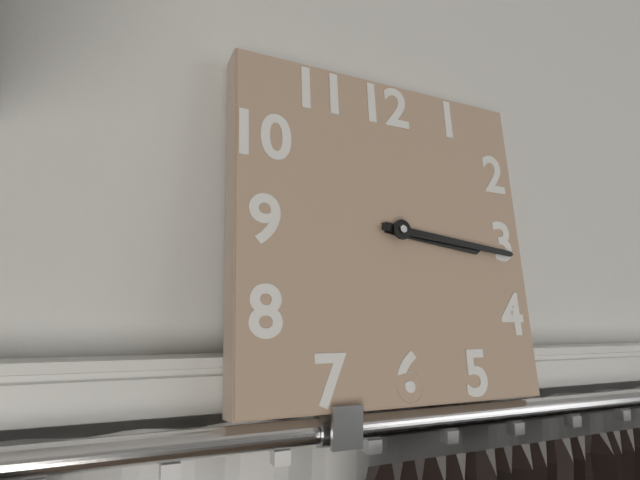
**3:16**
